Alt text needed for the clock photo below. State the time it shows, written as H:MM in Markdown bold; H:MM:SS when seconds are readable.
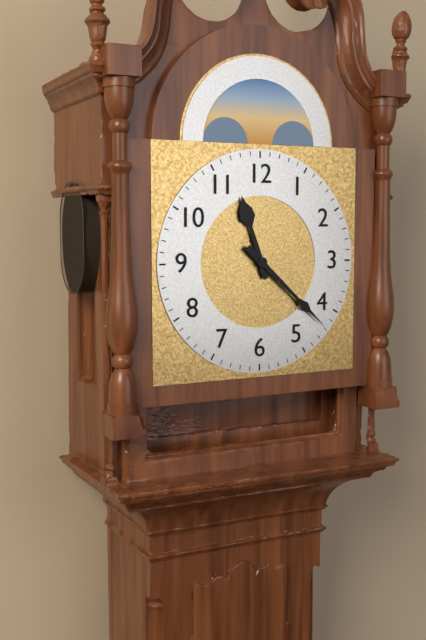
**11:22**
